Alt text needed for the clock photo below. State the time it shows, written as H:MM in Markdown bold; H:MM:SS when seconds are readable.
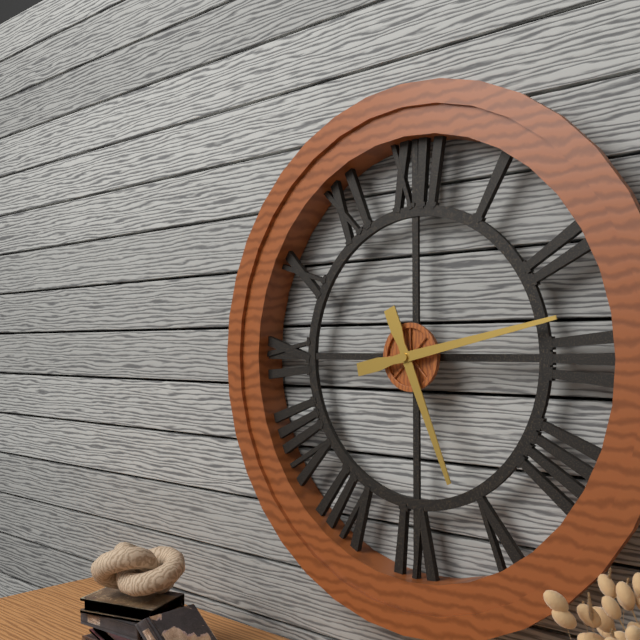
**5:13**
